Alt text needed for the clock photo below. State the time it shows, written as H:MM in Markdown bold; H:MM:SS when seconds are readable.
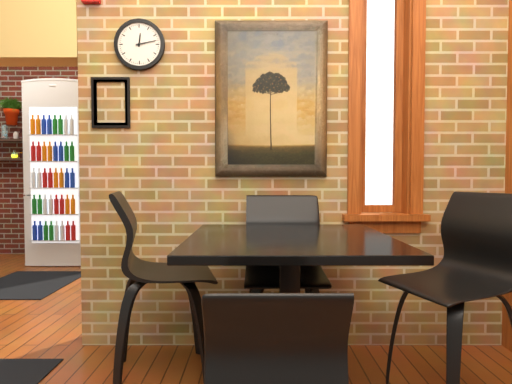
**12:13**
